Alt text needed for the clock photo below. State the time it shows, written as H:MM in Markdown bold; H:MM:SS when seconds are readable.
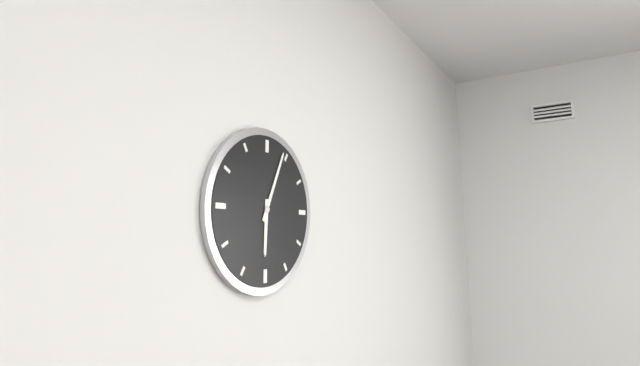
**6:04**
